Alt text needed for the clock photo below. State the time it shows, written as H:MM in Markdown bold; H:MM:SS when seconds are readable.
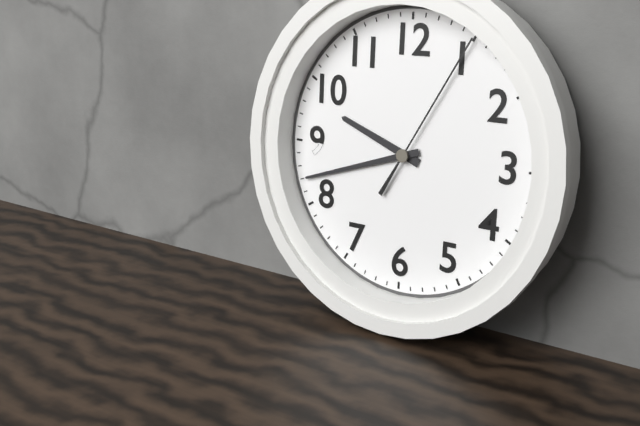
**9:42:05**
